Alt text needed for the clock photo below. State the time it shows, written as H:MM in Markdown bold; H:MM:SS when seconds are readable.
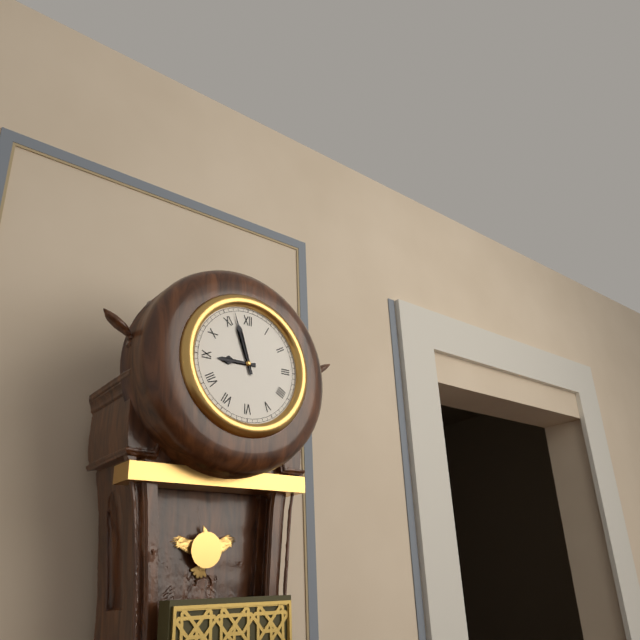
**8:57**
